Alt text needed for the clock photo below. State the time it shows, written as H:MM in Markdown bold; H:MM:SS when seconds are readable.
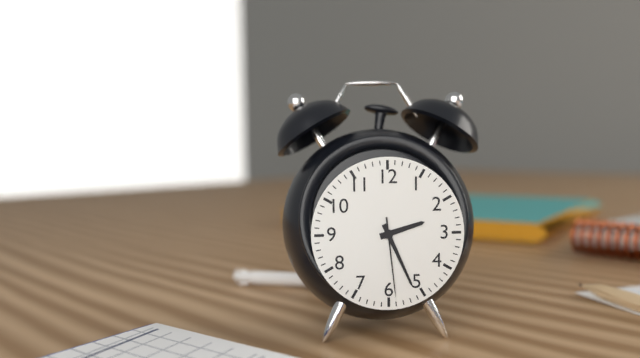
**2:26:29**
